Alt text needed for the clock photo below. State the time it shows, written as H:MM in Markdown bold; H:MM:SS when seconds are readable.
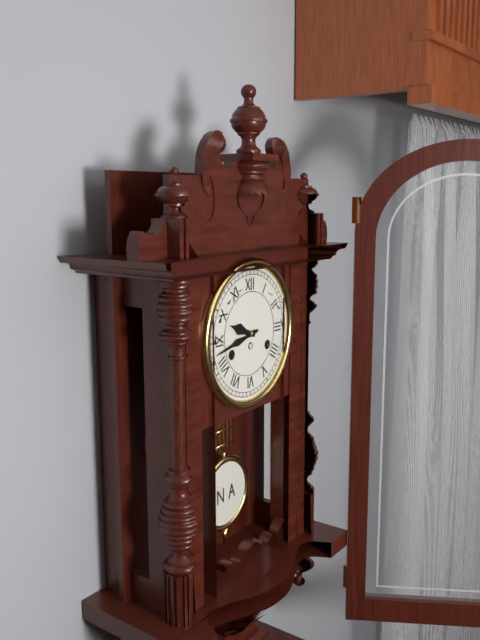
**9:43**
